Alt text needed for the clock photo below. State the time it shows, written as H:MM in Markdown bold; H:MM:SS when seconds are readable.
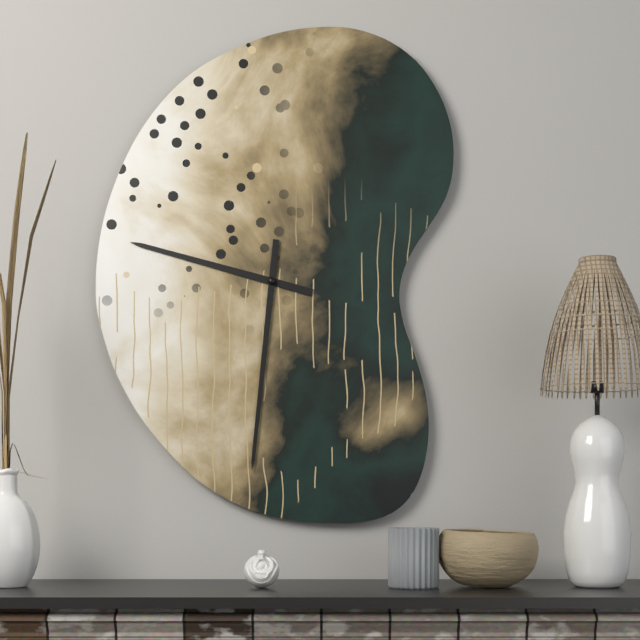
**9:31**
